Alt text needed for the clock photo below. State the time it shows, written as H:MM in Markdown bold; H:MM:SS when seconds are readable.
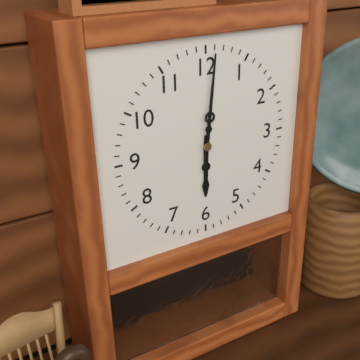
**6:01**
